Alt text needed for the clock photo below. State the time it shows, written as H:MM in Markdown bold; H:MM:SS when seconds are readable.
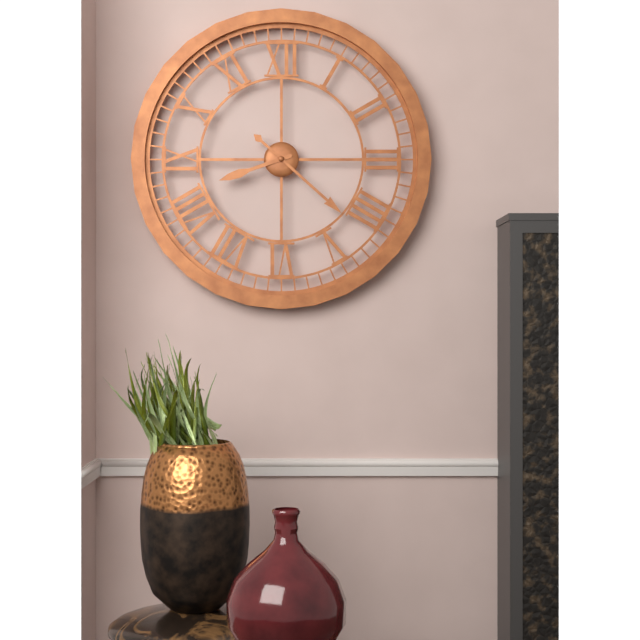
**8:22**
